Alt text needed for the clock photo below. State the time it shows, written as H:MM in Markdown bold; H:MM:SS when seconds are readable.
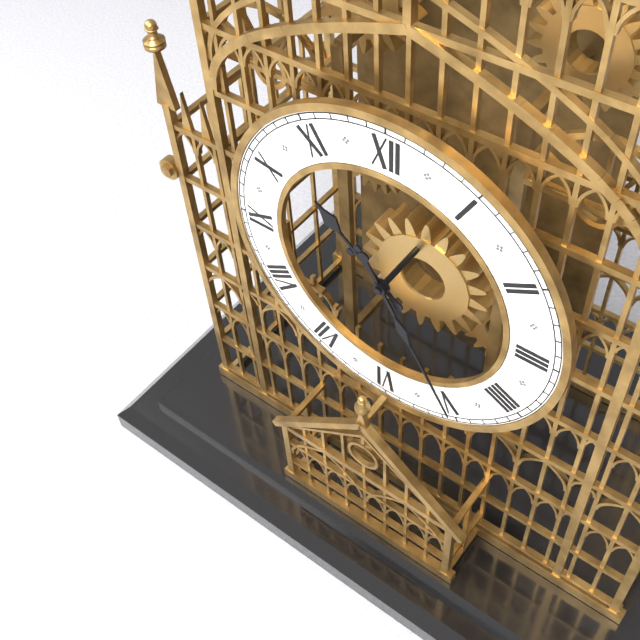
**10:25**
